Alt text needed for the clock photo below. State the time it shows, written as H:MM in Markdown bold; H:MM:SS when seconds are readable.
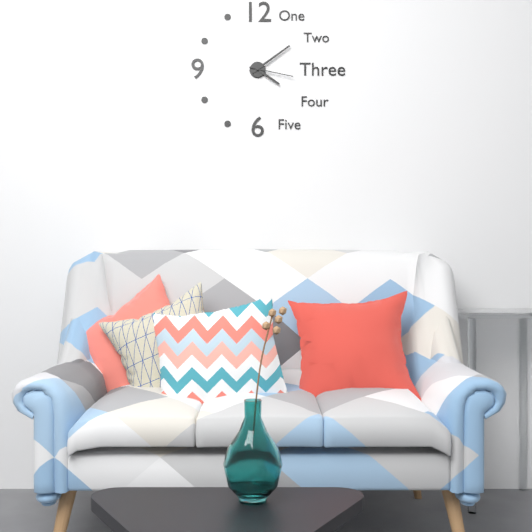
**4:09**
